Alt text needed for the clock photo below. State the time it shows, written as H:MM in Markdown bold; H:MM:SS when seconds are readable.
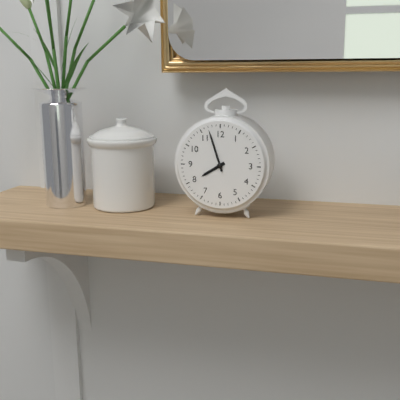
**7:57**
